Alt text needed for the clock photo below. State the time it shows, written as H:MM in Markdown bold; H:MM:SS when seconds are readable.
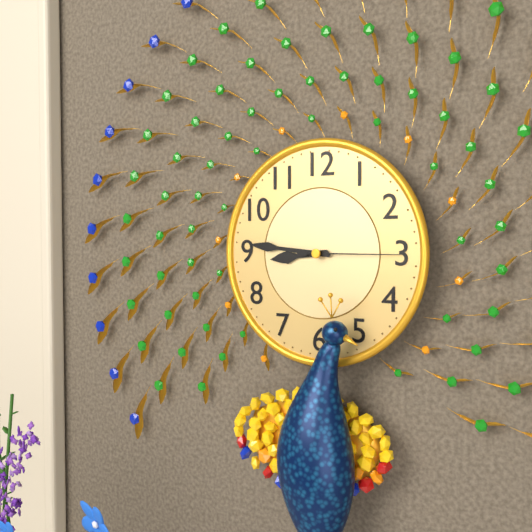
**8:46:15**
